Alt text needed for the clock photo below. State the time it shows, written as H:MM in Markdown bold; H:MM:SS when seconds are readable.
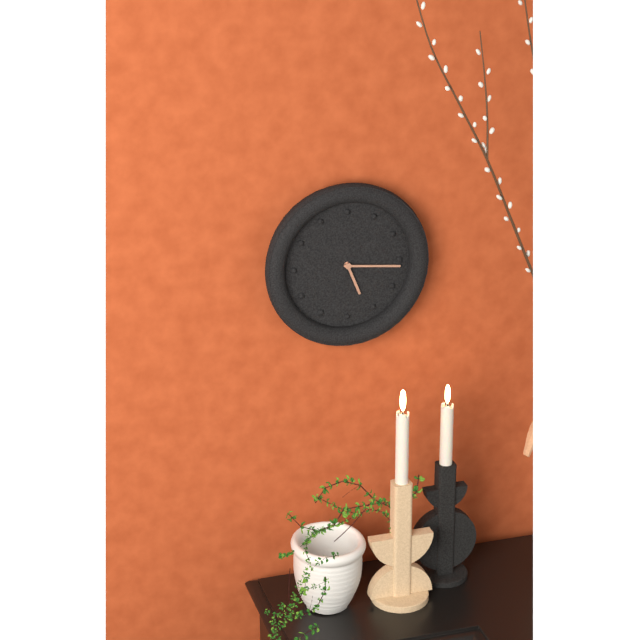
**5:16**
